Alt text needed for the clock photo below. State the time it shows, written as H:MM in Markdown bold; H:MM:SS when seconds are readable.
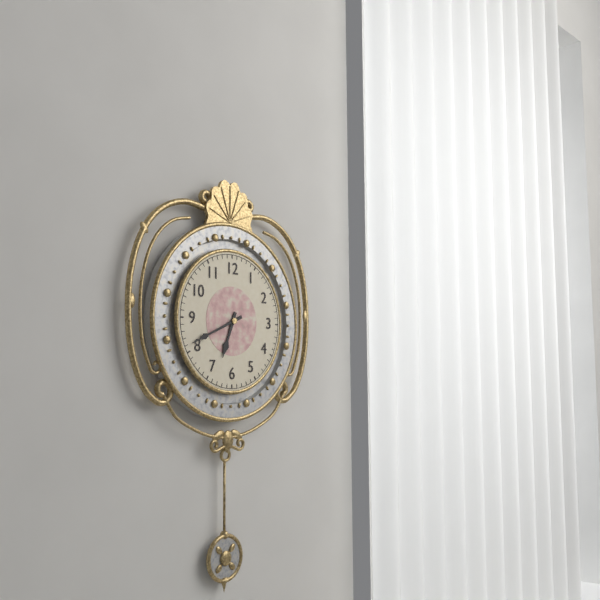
**6:41**
